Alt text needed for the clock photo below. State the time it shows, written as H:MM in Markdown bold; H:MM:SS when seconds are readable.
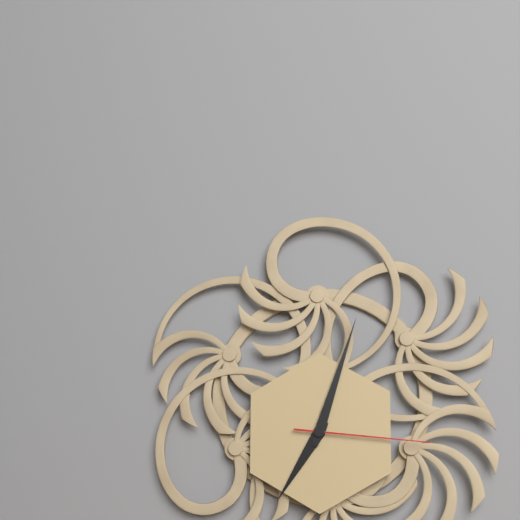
**7:03:16**
